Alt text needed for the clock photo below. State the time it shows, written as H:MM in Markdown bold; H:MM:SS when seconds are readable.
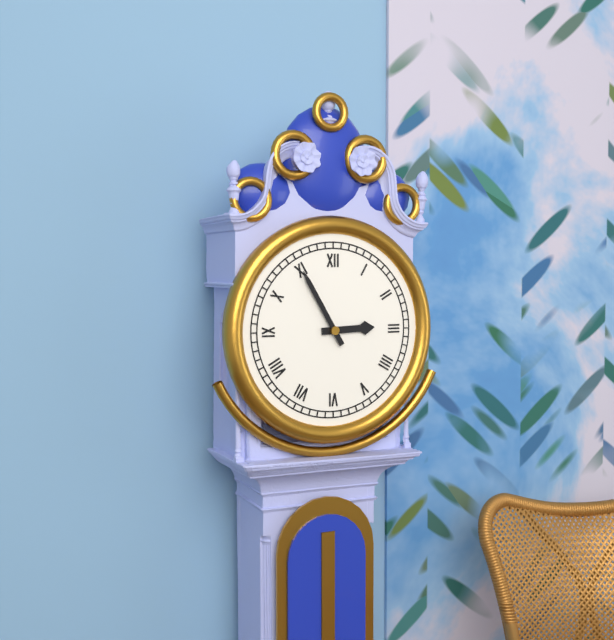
**2:55**
